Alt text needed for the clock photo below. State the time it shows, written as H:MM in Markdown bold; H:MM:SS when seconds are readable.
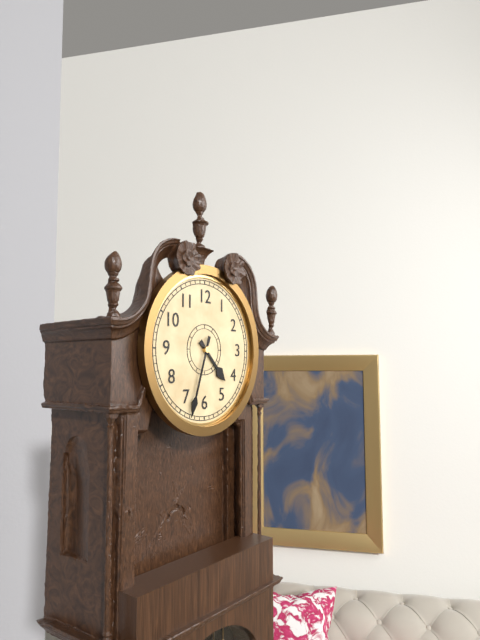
**4:33**
